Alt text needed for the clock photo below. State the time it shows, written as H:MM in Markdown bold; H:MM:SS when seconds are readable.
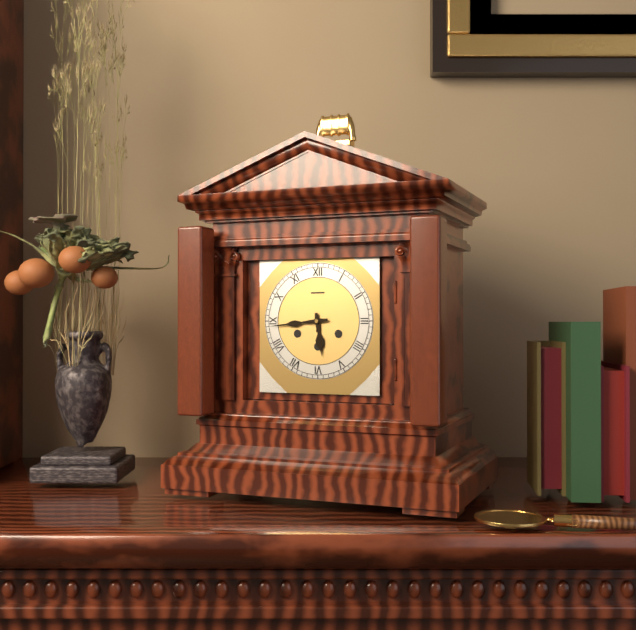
**5:44**
